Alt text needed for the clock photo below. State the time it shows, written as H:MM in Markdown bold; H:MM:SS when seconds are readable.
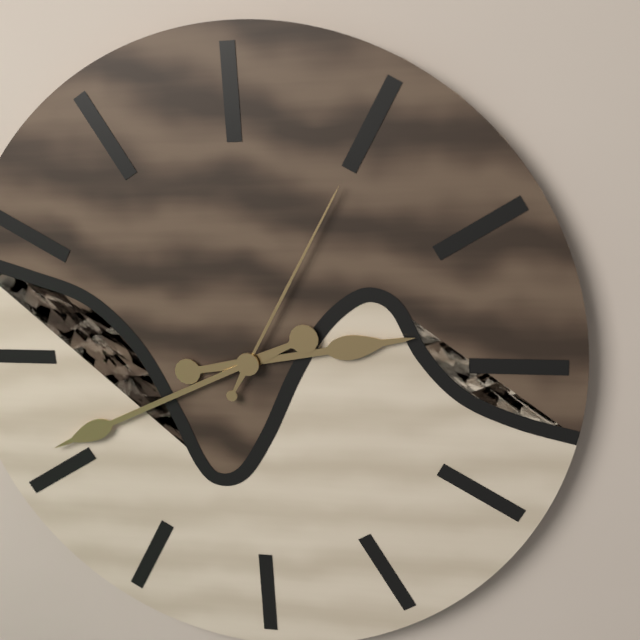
**2:41:05**
